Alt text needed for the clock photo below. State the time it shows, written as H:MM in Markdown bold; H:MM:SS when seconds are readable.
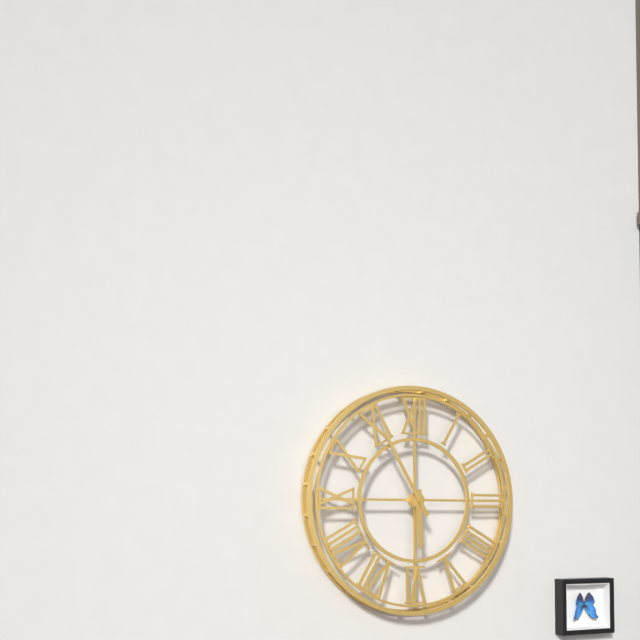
**5:55**
